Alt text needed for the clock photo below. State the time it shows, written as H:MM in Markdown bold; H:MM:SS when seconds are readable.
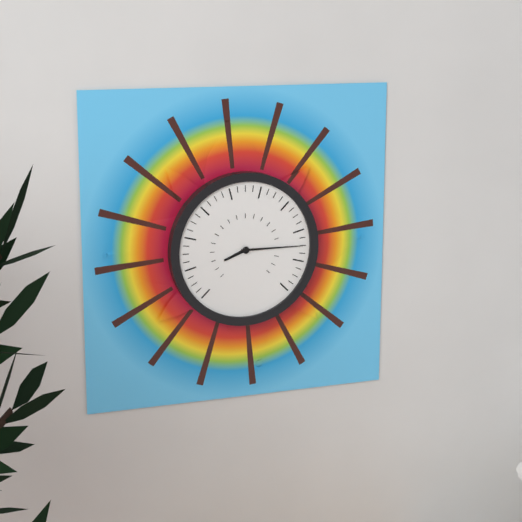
**8:15**
